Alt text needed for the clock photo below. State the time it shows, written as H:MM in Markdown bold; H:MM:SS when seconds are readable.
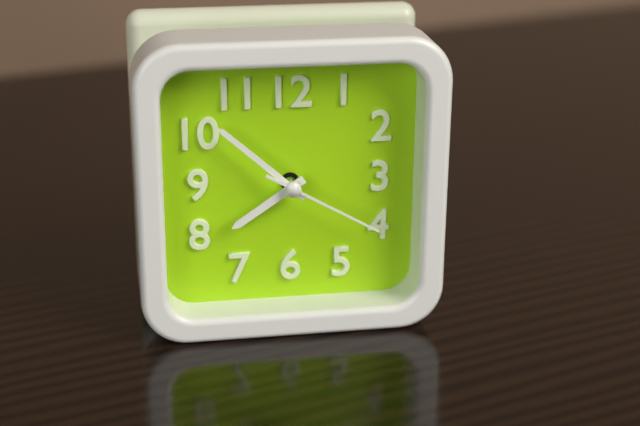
**7:52:20**
